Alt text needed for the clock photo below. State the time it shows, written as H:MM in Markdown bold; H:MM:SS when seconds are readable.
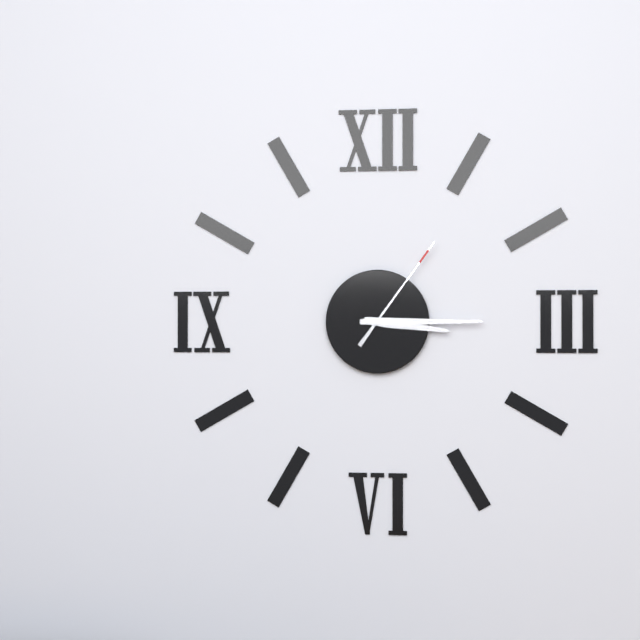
**3:15:06**
